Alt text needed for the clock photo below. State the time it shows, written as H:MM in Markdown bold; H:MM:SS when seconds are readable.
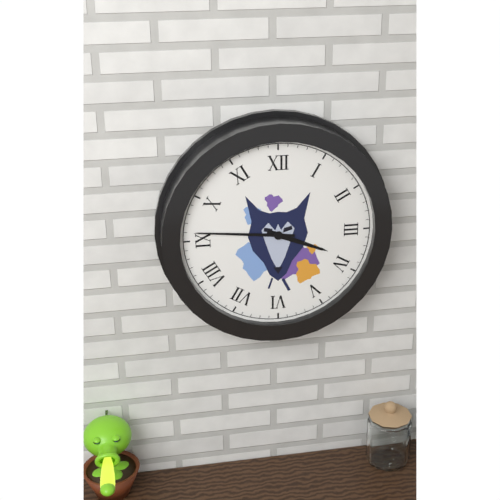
**3:46**
